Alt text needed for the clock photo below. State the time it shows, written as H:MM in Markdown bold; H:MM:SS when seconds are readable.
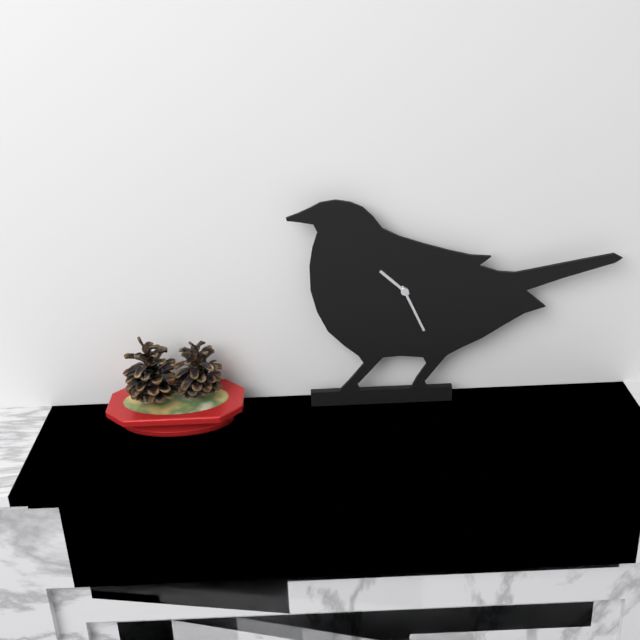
**10:26**
